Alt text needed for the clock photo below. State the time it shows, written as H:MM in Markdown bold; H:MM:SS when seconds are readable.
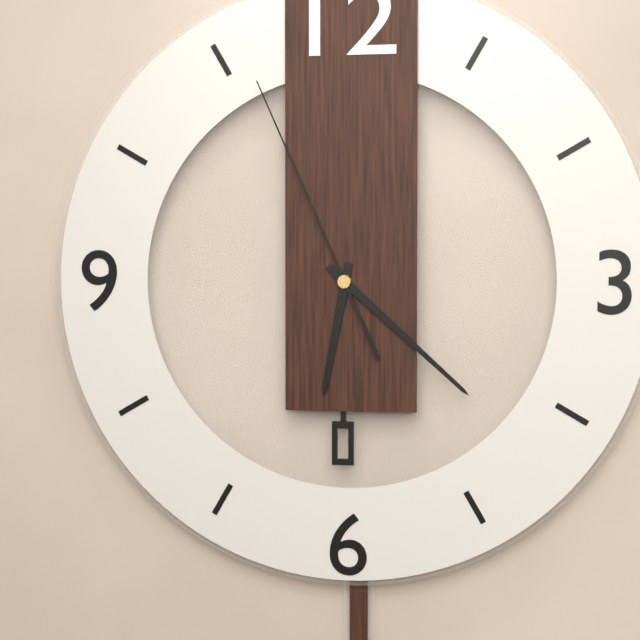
**6:22:56**
